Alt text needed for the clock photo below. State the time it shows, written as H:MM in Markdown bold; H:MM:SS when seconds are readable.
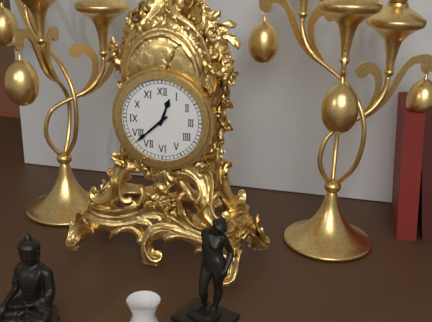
**12:38**
